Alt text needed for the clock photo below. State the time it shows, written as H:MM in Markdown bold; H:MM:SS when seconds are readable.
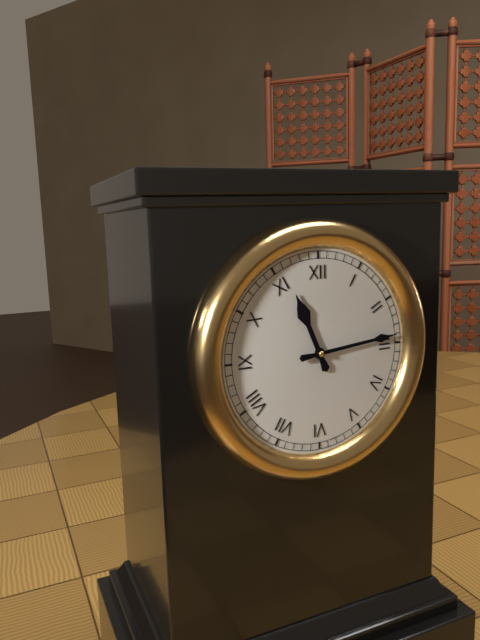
**11:14**
